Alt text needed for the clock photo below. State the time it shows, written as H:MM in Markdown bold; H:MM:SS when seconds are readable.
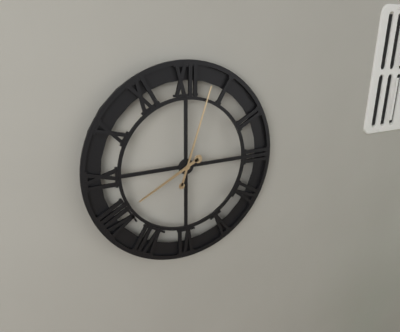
**8:03**
